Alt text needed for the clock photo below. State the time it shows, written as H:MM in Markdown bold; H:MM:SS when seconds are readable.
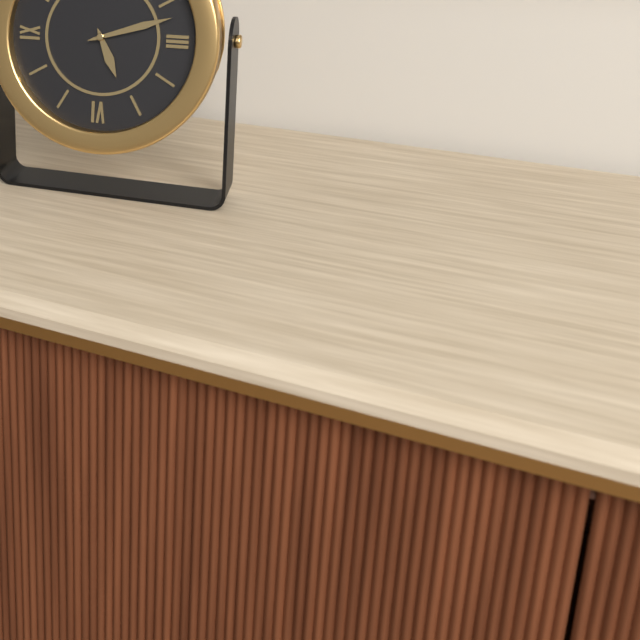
**5:12**
